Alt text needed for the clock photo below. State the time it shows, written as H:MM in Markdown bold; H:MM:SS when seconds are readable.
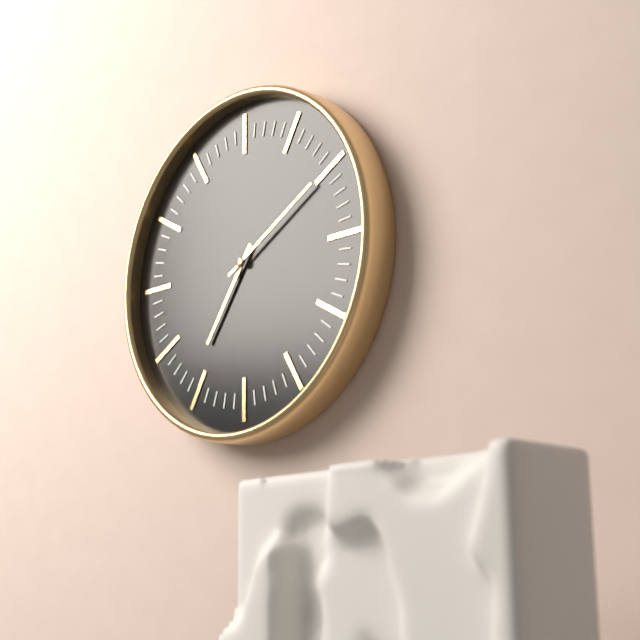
**7:10**
